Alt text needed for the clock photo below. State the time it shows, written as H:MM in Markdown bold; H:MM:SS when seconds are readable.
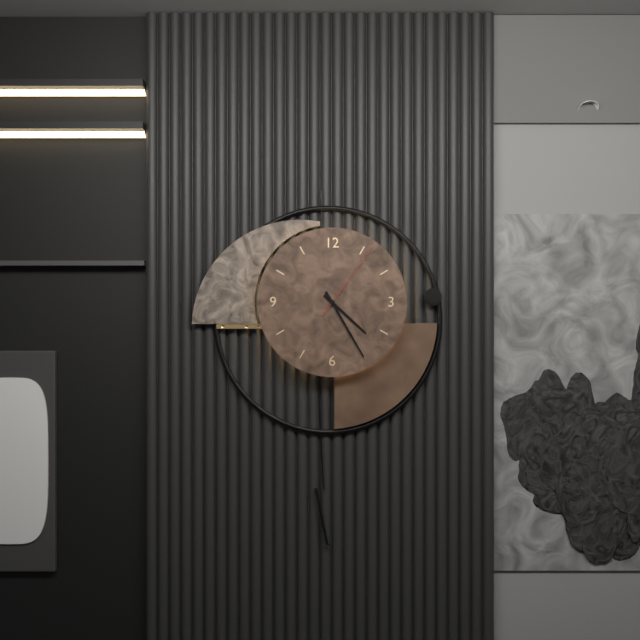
**4:25:06**
